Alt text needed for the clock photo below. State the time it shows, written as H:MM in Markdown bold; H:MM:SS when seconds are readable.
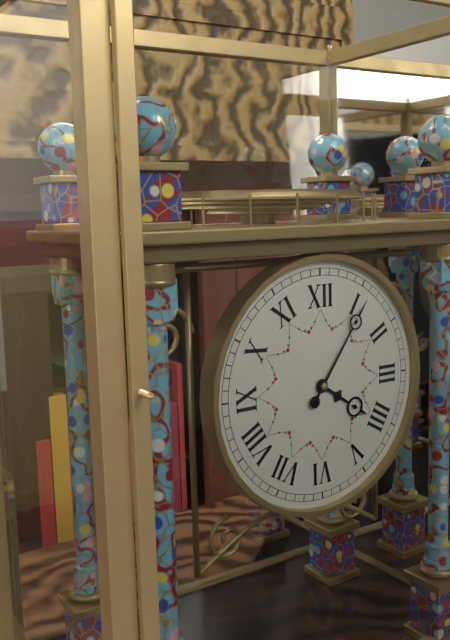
**4:06**
